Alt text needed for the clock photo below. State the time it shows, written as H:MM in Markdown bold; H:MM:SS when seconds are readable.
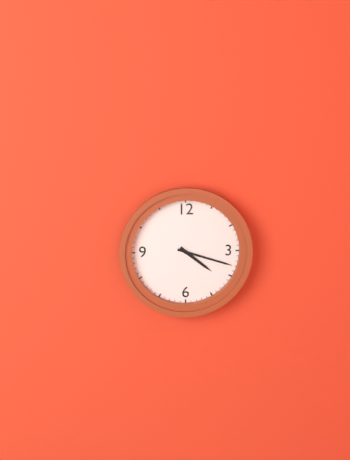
**4:18**
